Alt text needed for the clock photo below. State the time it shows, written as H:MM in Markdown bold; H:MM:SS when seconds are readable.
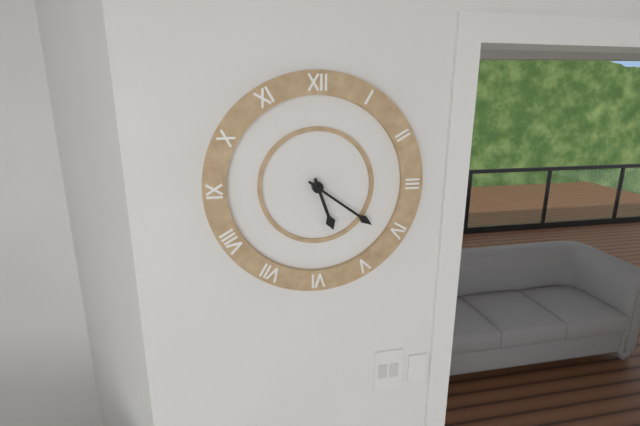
**5:21**
